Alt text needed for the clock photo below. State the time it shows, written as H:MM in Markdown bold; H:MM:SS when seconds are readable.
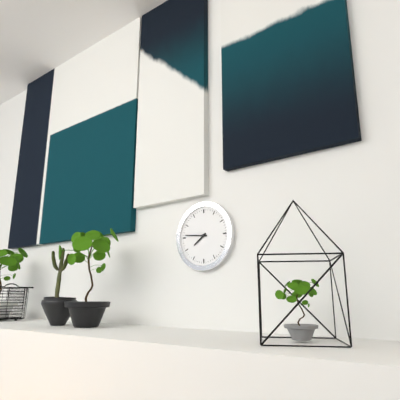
**7:46**
